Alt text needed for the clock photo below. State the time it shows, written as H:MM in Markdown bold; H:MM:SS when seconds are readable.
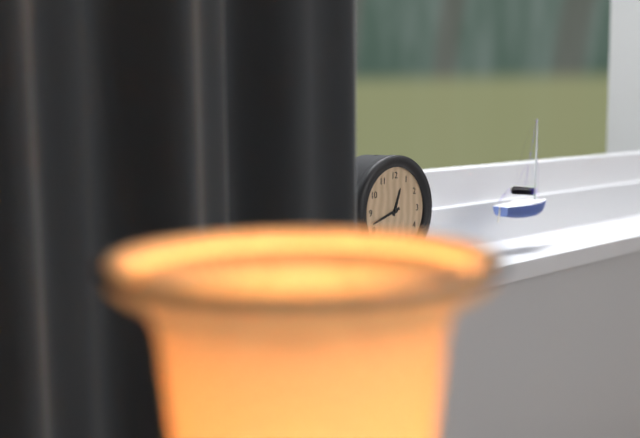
**12:42**
